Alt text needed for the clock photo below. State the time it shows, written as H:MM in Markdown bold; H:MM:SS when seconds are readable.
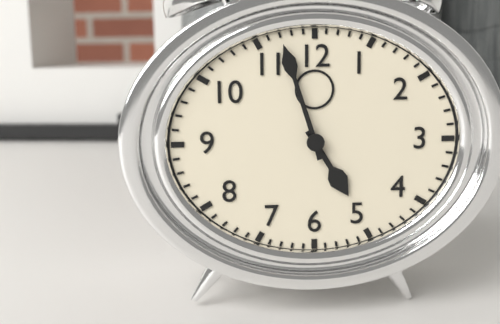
**4:57**
